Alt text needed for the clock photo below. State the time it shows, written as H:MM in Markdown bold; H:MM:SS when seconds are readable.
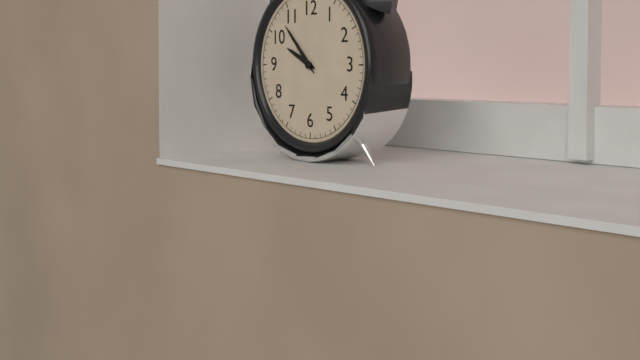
**9:53**
